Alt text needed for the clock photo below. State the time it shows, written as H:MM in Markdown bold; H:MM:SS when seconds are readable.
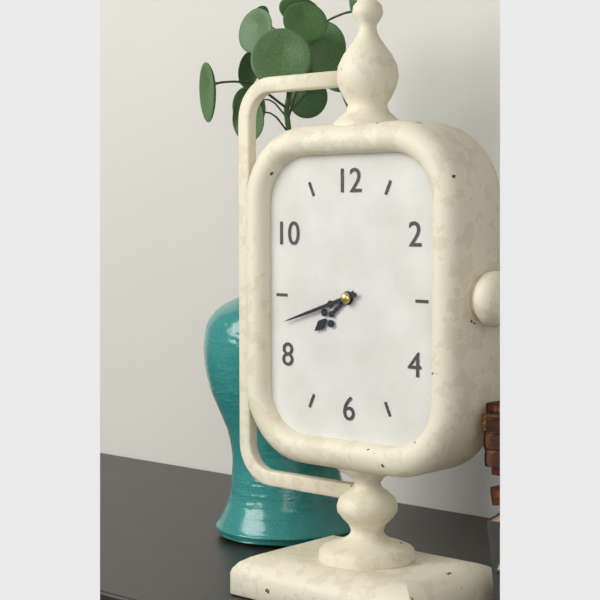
**7:42**
